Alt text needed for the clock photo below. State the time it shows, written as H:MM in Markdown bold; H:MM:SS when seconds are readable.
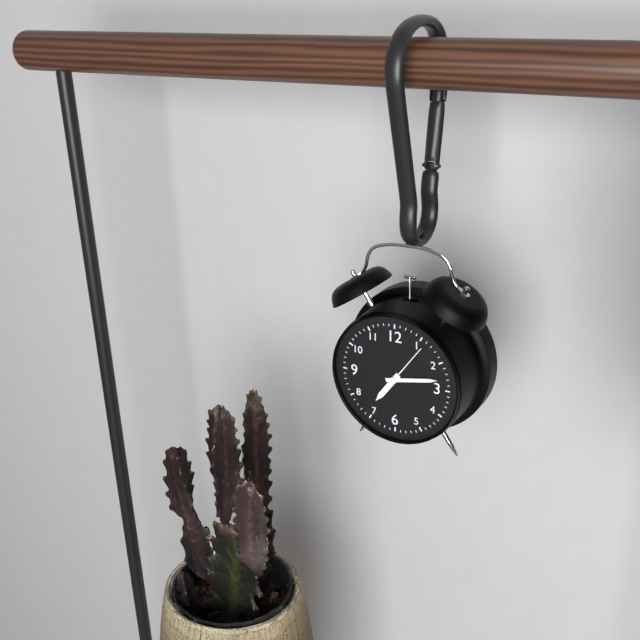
**7:13:06**
